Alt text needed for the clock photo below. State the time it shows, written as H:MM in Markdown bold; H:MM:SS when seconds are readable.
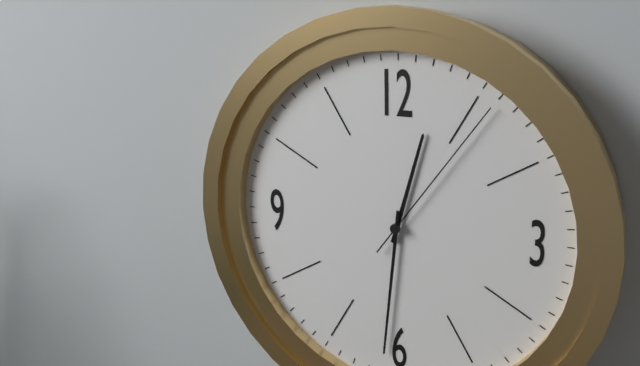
**12:31:06**
